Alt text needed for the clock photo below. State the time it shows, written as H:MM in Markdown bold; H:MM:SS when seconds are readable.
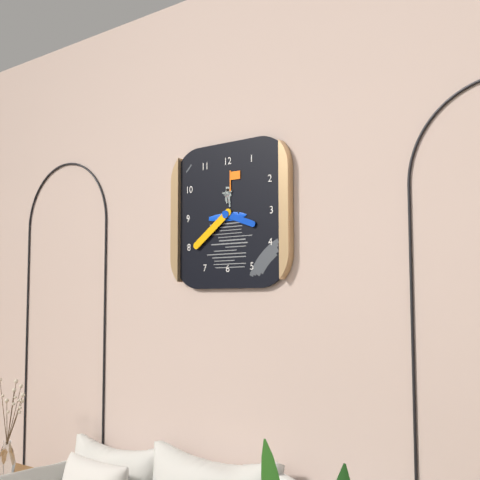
**3:39**
